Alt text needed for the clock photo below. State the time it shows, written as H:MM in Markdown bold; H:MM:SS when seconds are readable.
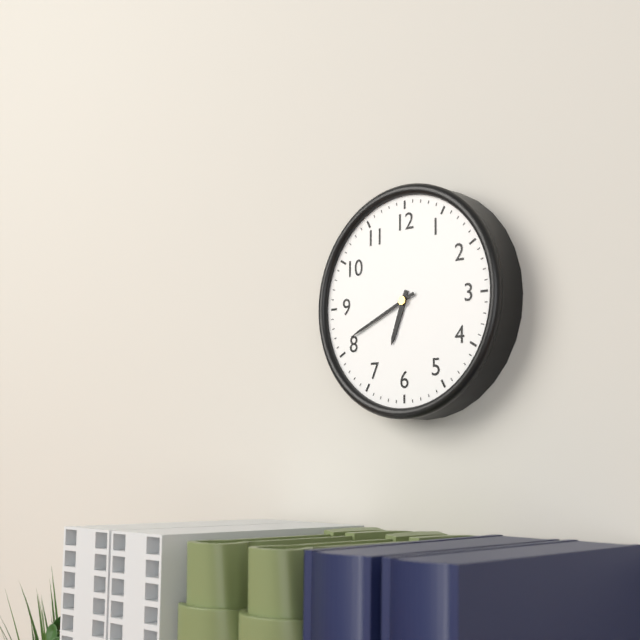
**6:41**
